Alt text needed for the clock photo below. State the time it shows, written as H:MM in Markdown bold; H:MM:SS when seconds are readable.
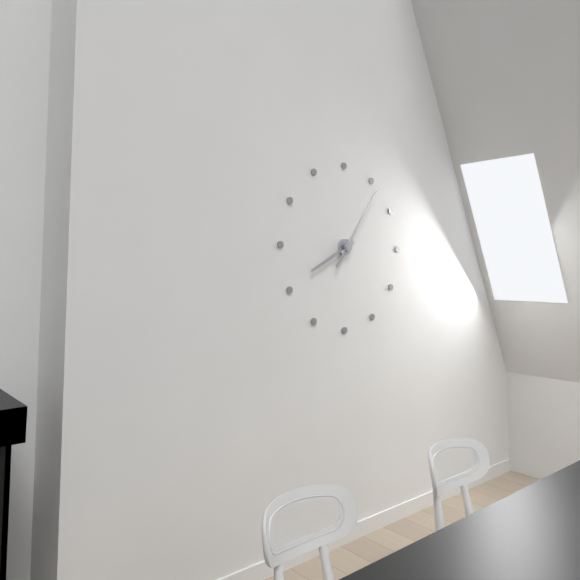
**8:06**
